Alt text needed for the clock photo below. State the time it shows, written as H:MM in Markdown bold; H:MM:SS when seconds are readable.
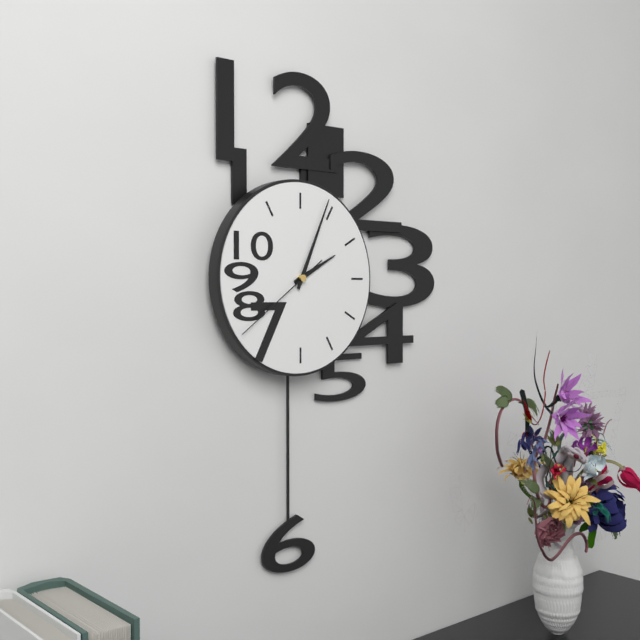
**2:04:39**
